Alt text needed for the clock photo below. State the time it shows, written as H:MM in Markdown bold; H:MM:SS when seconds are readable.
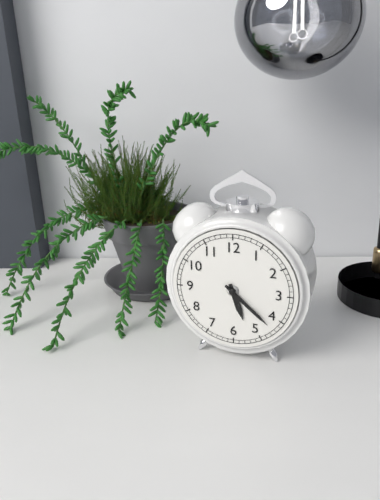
**5:22**
